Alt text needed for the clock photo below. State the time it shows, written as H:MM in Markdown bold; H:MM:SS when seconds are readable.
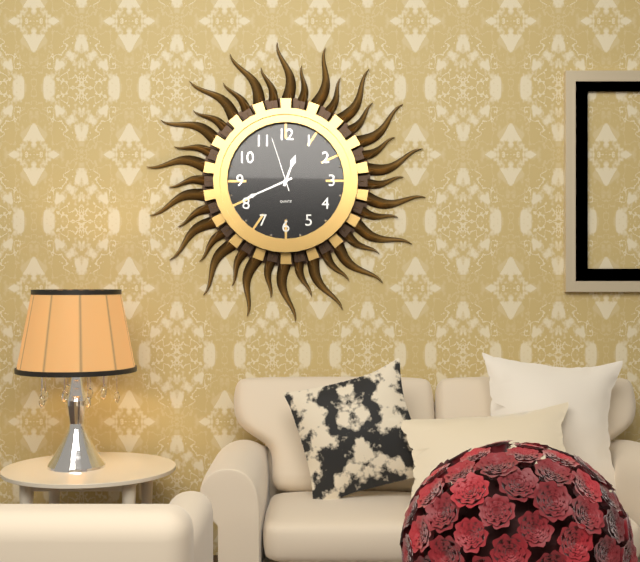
**12:41:57**
